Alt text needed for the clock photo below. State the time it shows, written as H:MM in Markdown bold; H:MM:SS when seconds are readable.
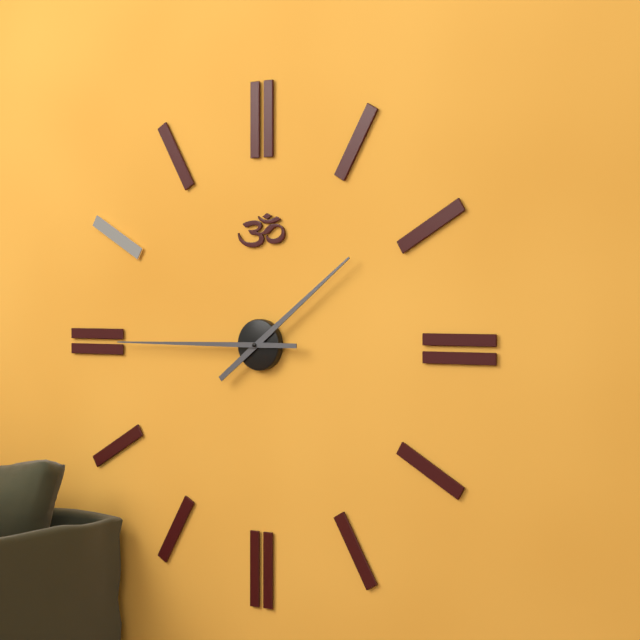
**1:45**
